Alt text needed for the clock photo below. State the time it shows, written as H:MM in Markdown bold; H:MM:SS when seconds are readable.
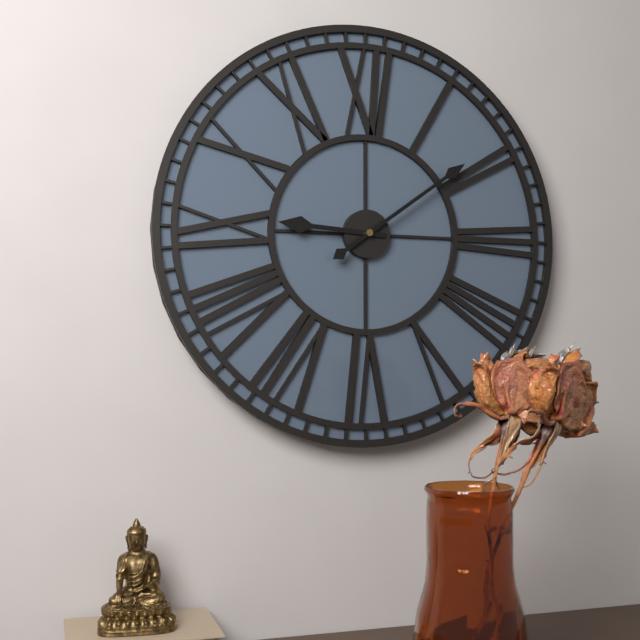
**9:09**
